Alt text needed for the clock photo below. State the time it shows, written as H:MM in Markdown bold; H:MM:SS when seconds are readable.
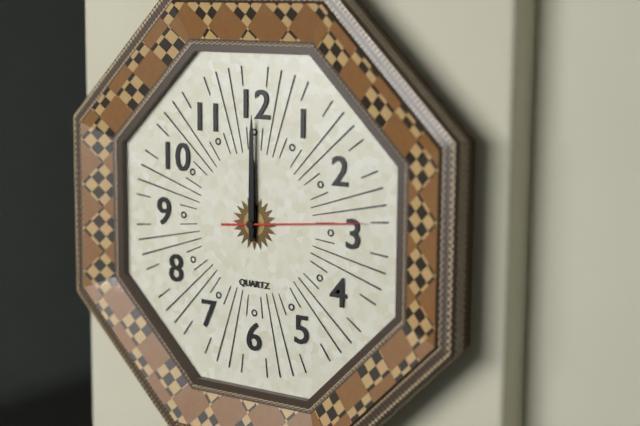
**12:00:14**
